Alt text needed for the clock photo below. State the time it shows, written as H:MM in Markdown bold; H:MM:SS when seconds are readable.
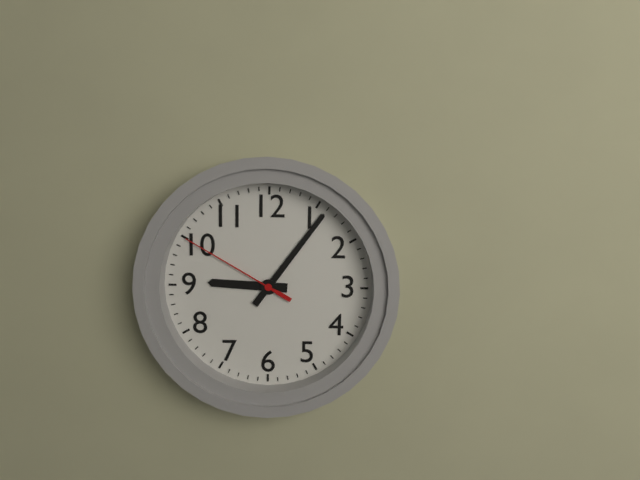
**9:06:50**
